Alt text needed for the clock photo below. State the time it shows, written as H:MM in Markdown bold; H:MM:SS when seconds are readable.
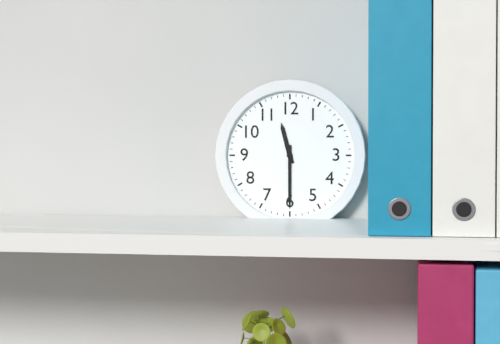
**11:30**
